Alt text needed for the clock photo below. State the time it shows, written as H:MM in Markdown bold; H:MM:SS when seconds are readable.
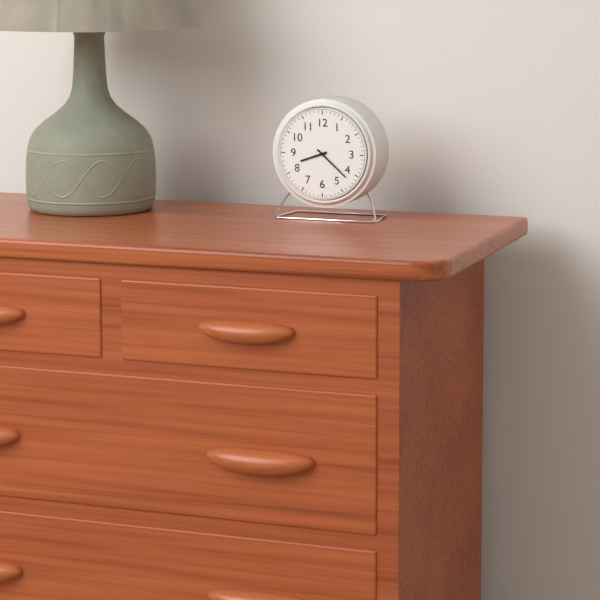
**8:22**
